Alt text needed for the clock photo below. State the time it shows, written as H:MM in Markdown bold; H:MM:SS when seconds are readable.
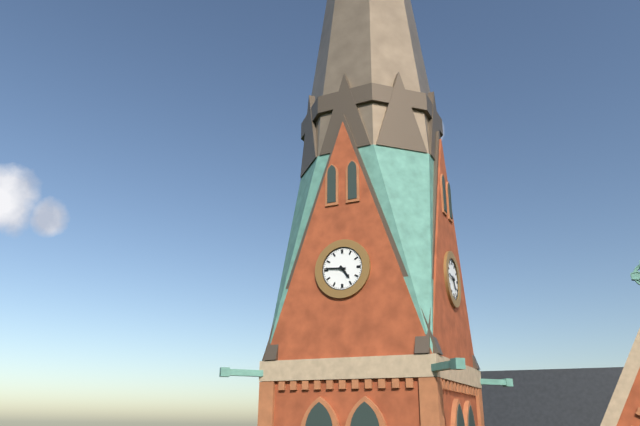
**4:46**
